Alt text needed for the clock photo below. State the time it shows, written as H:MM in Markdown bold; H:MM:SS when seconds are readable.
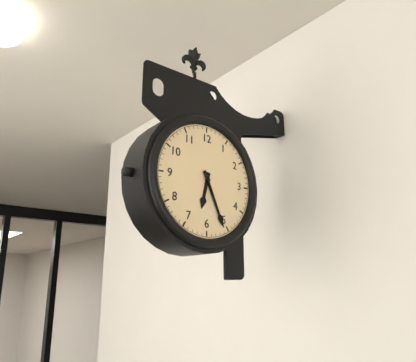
**6:26**
